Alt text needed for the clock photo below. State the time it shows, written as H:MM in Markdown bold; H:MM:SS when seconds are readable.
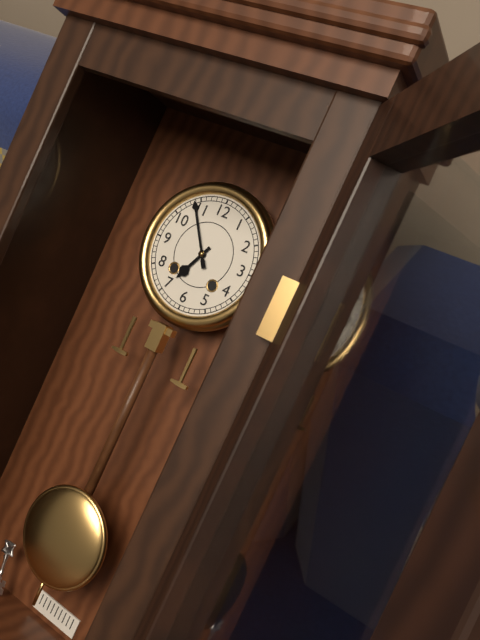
**6:54**
